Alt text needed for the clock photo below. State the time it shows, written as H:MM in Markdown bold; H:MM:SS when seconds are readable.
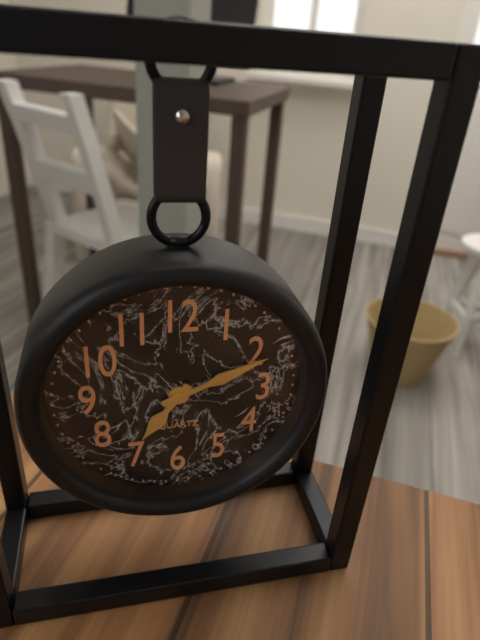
**7:11**
